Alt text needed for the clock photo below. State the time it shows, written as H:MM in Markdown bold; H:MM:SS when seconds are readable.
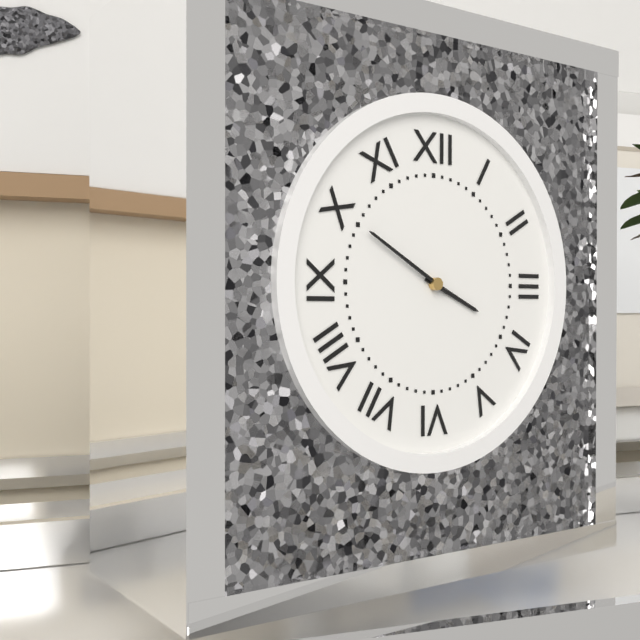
**3:50**
